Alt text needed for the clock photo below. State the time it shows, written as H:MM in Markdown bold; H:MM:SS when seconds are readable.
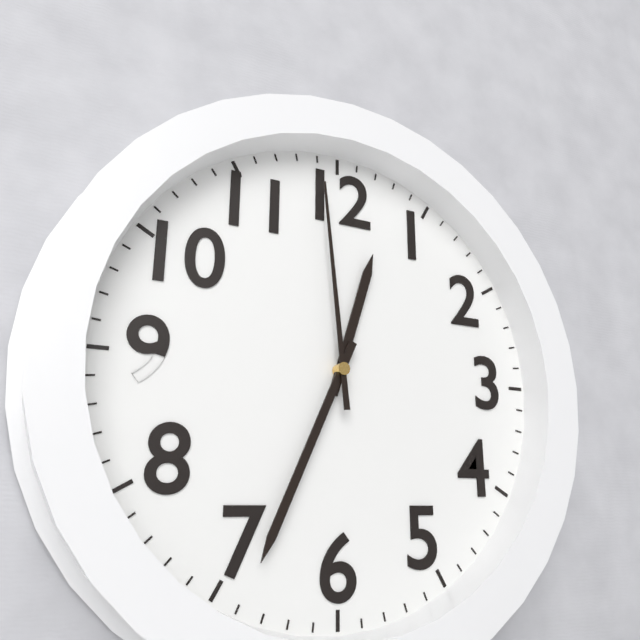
**12:34:59**
